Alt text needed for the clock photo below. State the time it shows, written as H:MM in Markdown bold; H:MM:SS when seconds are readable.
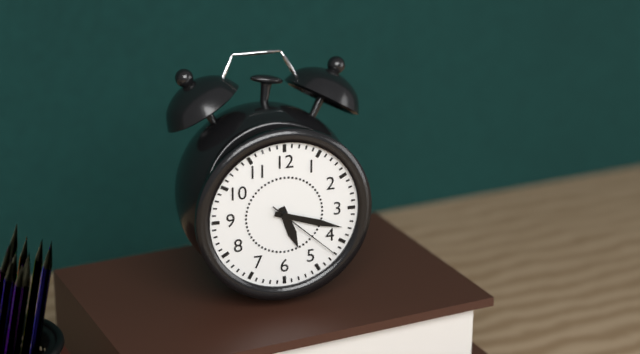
**5:18:22**
